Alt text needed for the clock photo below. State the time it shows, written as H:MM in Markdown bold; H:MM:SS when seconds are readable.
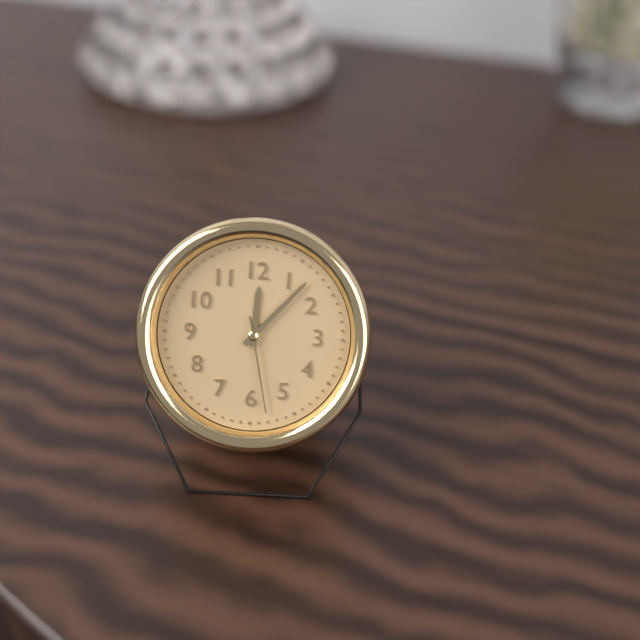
**12:07:28**
